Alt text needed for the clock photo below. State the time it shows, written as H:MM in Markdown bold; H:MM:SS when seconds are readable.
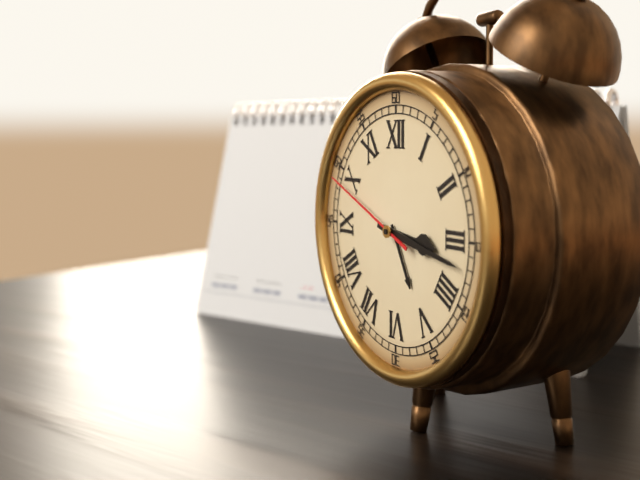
**3:17:49**
